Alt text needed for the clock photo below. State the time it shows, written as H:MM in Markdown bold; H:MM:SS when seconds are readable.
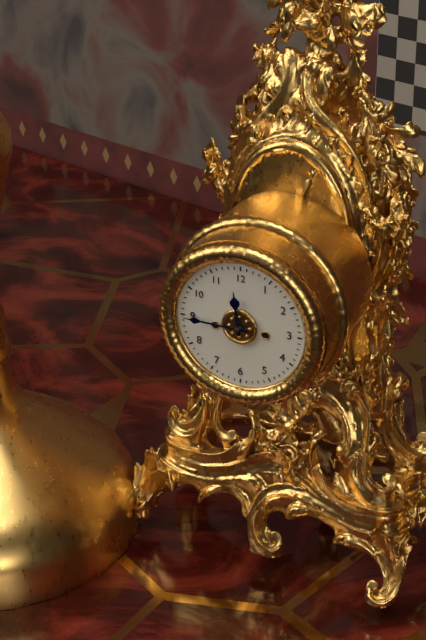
**11:45**
